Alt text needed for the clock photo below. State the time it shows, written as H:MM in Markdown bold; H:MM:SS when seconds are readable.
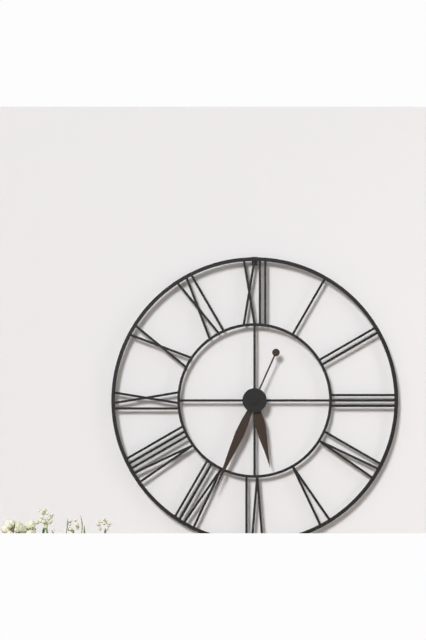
**5:34**
